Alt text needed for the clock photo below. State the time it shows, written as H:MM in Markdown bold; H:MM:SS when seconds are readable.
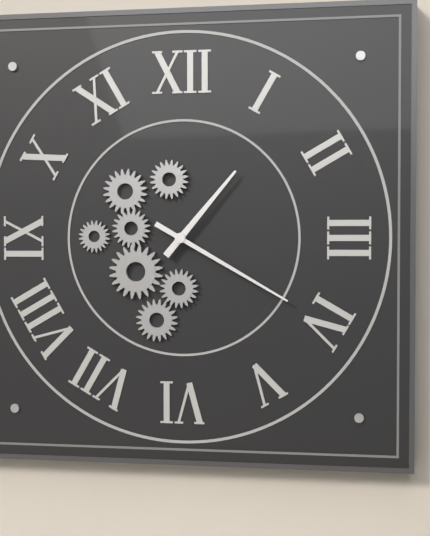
**1:20**
